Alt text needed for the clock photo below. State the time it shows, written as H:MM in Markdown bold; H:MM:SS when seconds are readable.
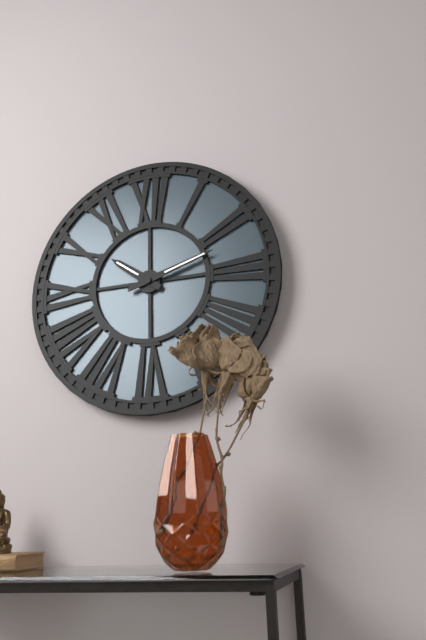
**10:12**
